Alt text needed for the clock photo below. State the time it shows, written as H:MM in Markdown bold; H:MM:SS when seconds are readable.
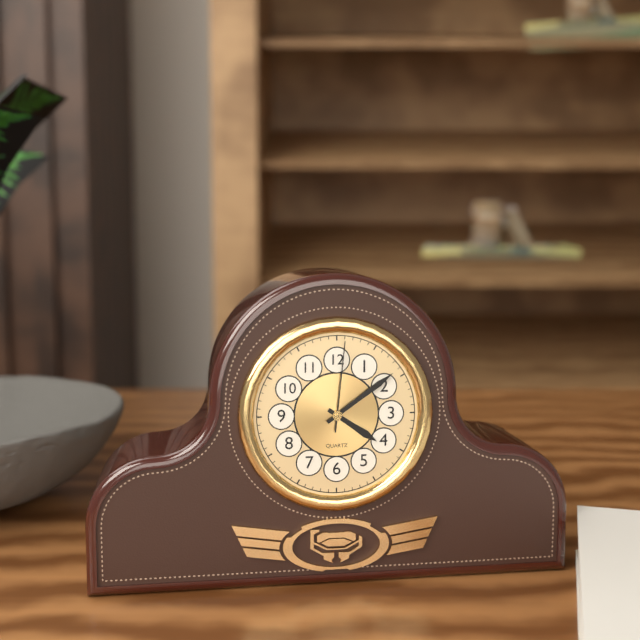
**4:09:01**
